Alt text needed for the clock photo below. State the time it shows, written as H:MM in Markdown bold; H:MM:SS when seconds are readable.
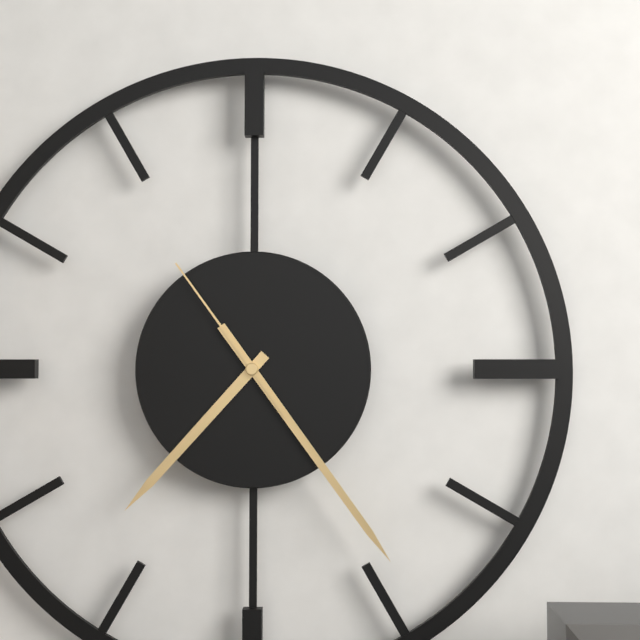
**7:24:54**
